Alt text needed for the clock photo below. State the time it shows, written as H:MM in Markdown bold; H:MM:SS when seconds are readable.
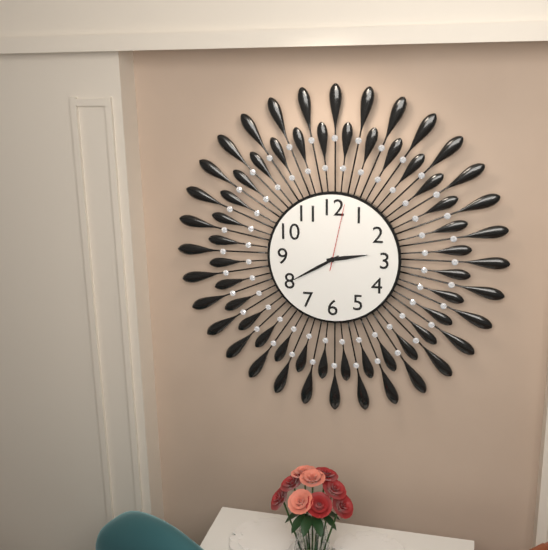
**2:40:02**
